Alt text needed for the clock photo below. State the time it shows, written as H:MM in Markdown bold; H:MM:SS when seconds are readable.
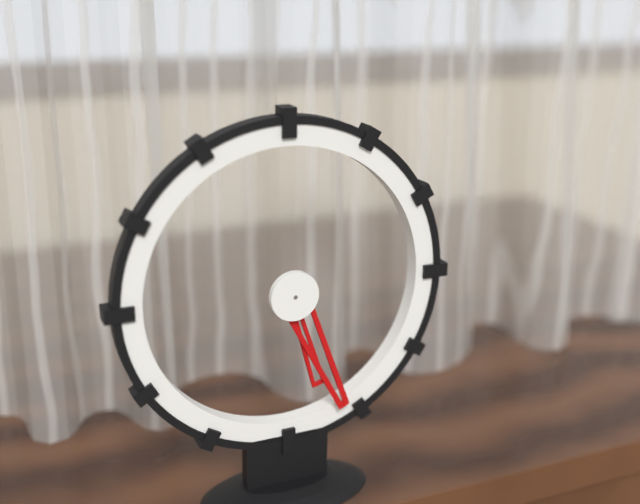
**5:26**
